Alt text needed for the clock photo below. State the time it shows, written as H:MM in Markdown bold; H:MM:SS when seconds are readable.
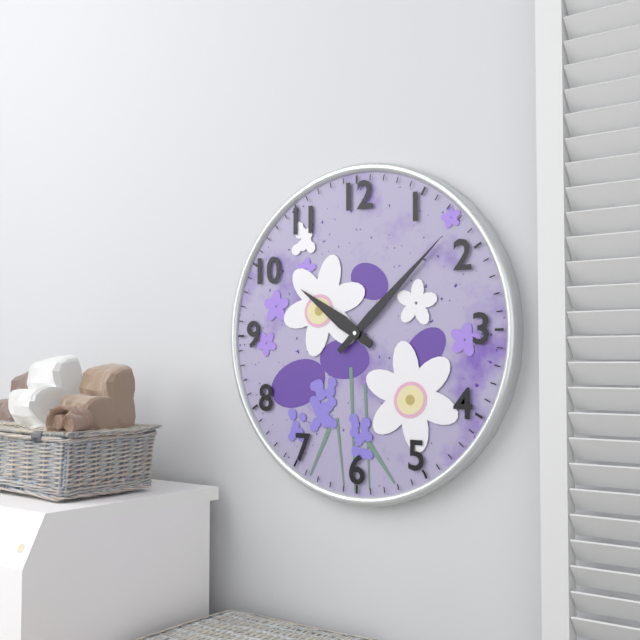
**10:08**
